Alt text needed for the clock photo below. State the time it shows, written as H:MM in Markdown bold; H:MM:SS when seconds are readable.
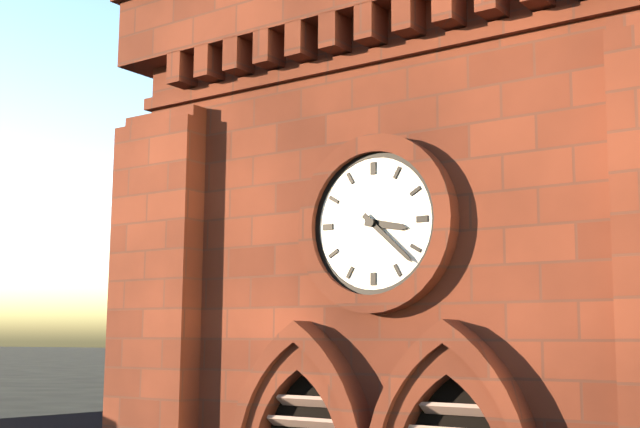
**3:22**
